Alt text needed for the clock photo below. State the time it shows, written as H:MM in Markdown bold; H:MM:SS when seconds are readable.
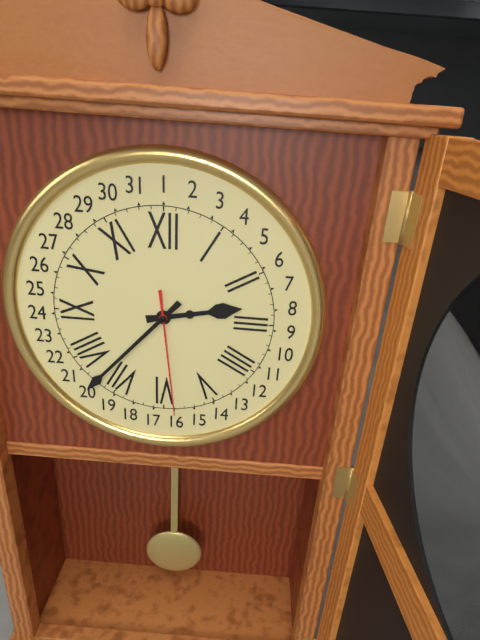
**2:37:29**
